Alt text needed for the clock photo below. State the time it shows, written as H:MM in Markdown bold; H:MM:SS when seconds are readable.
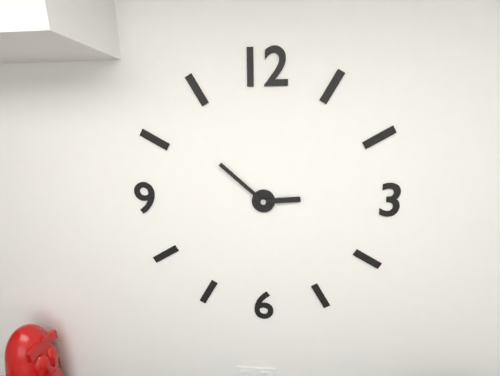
**2:52**
